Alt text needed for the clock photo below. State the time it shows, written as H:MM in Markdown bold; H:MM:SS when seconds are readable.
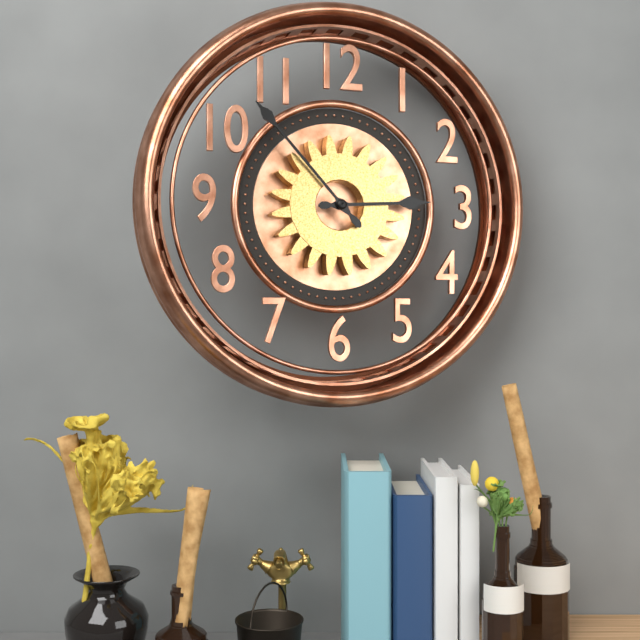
**2:53**
